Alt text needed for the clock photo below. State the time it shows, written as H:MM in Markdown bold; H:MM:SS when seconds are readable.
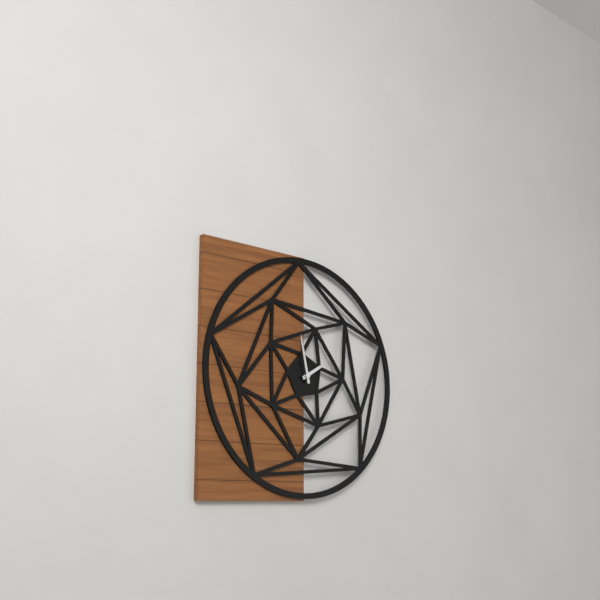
**1:58**
